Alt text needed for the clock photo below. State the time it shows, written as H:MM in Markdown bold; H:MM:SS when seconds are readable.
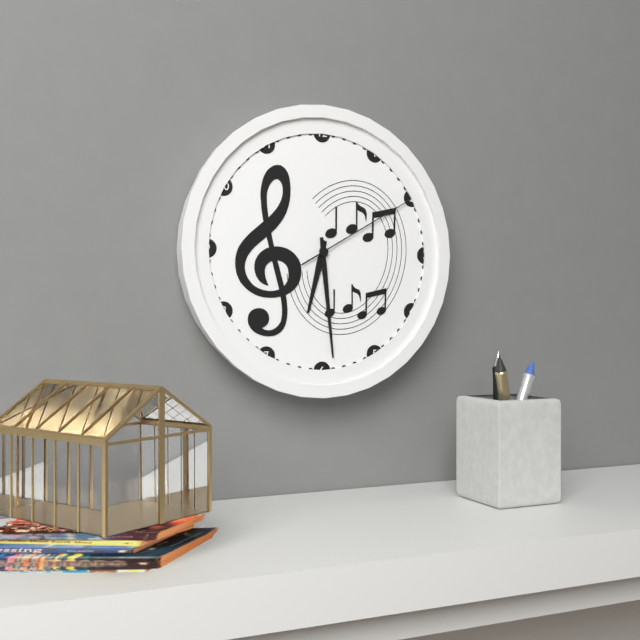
**6:29:10**
